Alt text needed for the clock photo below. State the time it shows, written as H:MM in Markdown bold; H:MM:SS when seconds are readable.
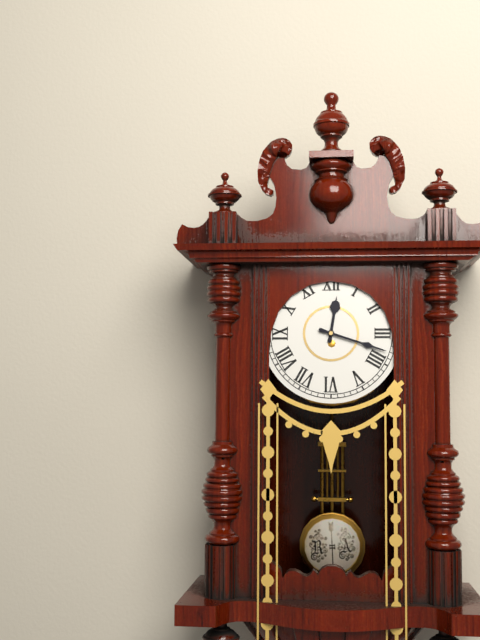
**12:18**
